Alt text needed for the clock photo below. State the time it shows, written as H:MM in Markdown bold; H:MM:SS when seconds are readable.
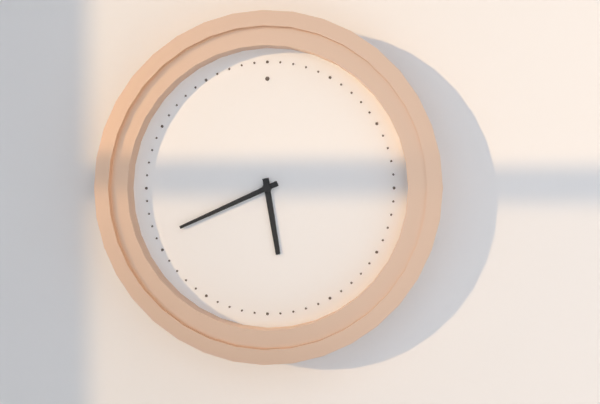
**5:41**
